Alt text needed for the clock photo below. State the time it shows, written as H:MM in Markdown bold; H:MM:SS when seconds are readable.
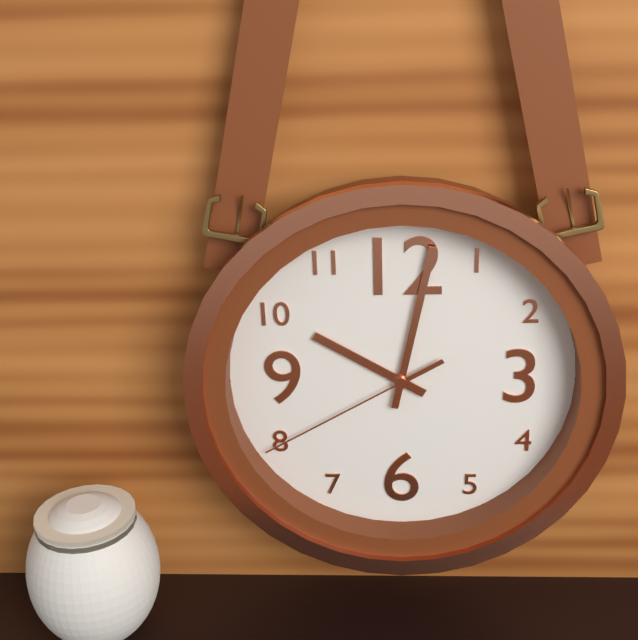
**10:02:40**
